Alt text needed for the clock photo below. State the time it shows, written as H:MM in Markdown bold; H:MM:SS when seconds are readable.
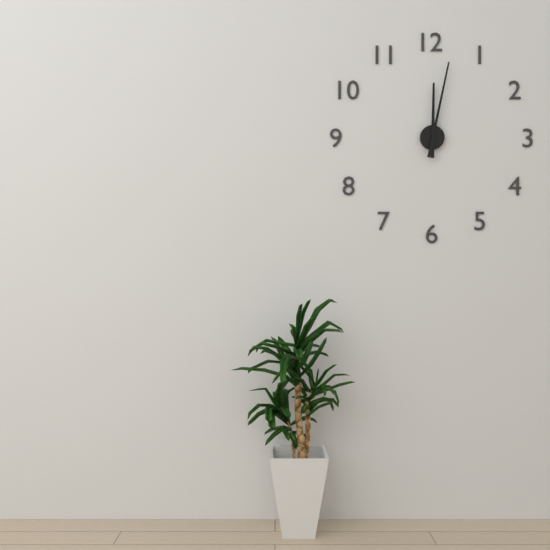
**12:02**
